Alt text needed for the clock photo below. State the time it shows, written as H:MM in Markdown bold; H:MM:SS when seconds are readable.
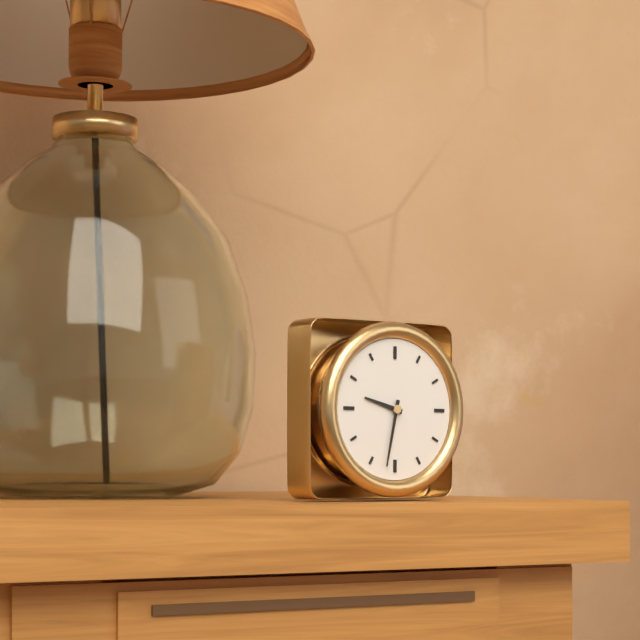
**9:32**
